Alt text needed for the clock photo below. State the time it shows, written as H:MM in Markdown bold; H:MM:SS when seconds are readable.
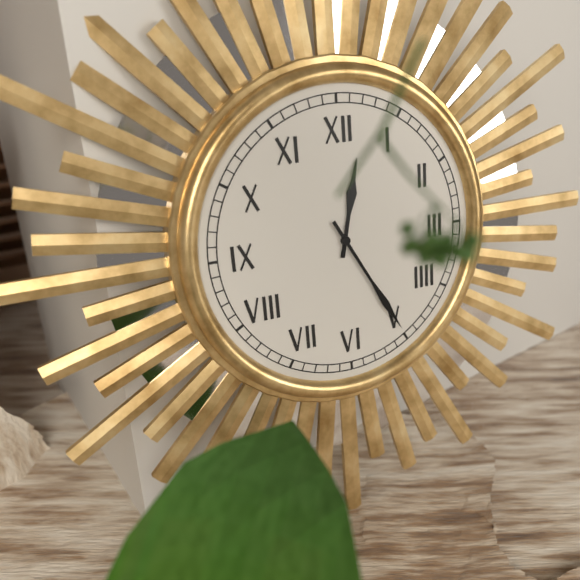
**12:25**
